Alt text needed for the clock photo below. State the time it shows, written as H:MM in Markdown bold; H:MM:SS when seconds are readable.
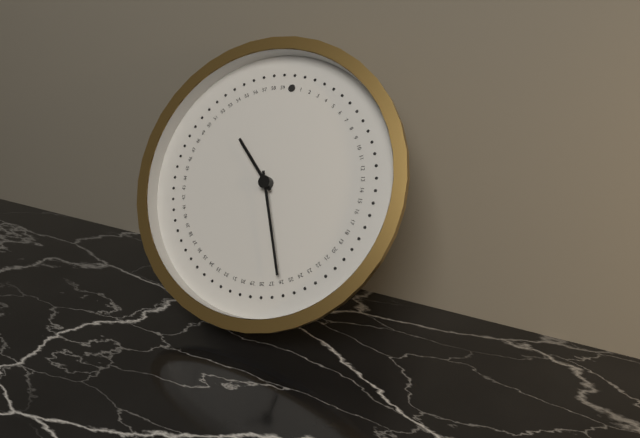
**10:26**
